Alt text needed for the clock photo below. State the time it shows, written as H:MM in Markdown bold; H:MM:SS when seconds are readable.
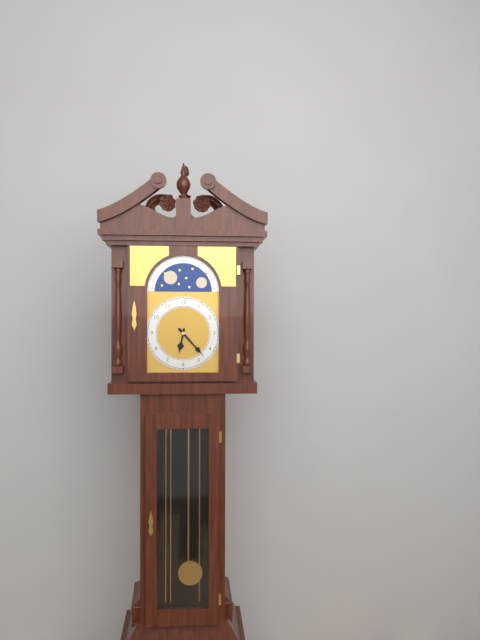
**6:23**
